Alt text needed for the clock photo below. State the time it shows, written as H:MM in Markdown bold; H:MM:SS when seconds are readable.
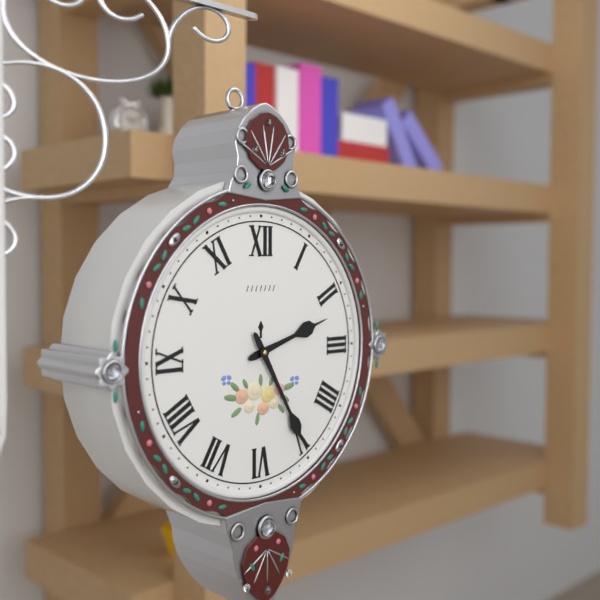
**2:25**
